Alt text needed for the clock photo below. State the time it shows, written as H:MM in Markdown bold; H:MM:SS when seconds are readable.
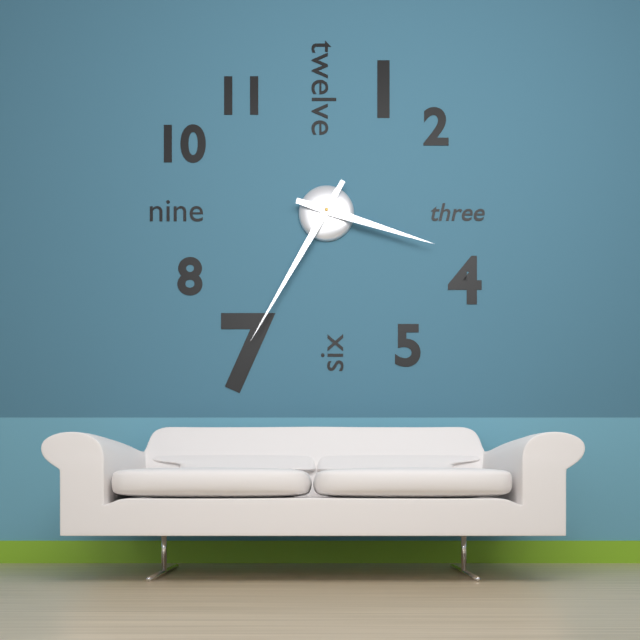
**3:35**
